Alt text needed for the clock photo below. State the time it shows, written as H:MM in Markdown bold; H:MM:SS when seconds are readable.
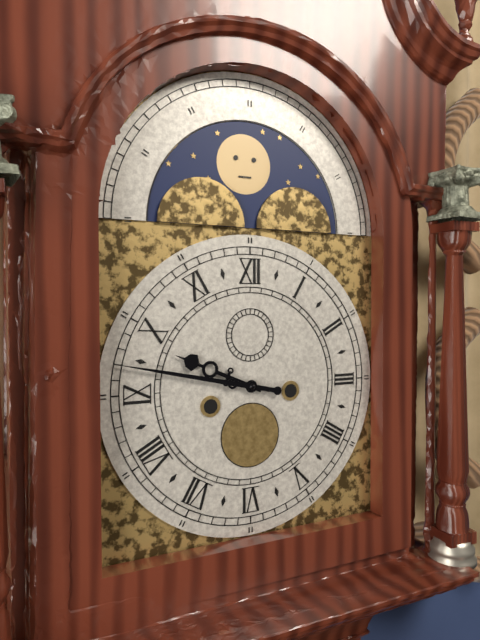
**9:47**
